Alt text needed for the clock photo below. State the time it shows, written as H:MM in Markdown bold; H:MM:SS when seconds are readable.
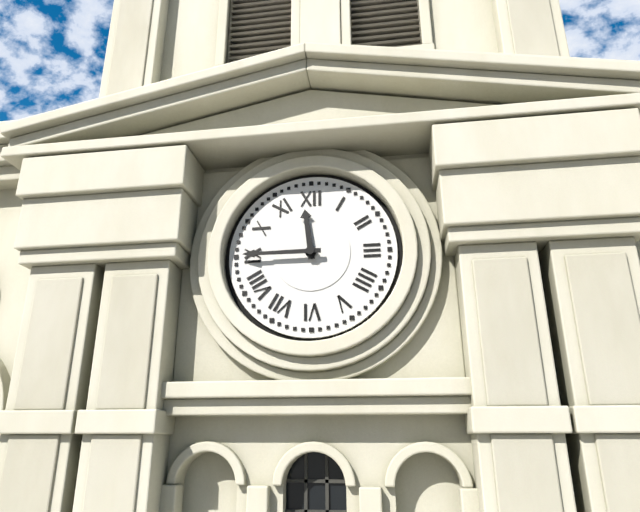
**11:45**
